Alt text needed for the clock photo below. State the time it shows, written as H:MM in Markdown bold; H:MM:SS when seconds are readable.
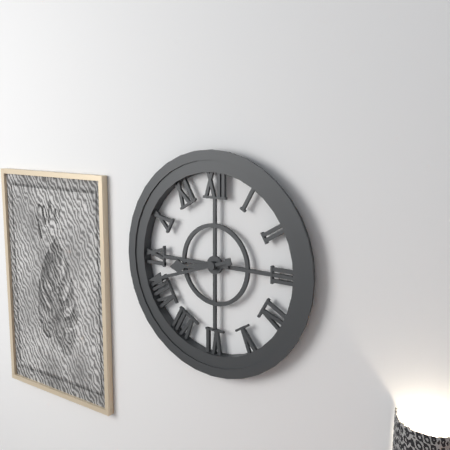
**8:42**
